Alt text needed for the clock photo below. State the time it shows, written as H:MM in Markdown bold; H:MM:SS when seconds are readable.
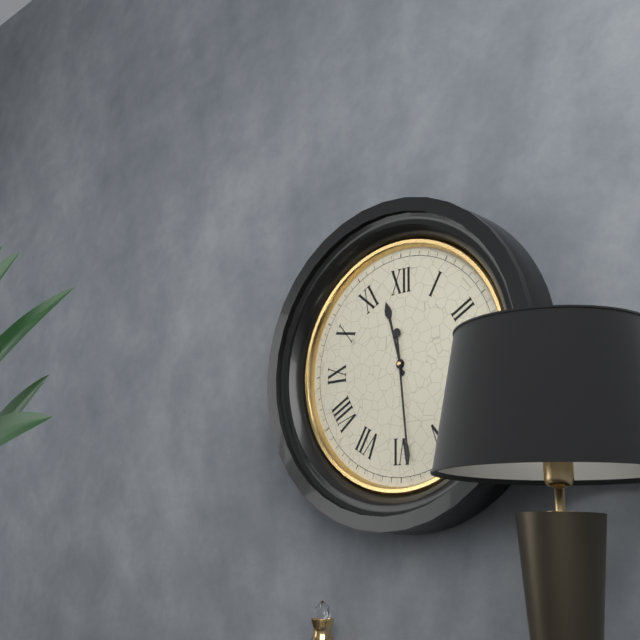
**11:29**
